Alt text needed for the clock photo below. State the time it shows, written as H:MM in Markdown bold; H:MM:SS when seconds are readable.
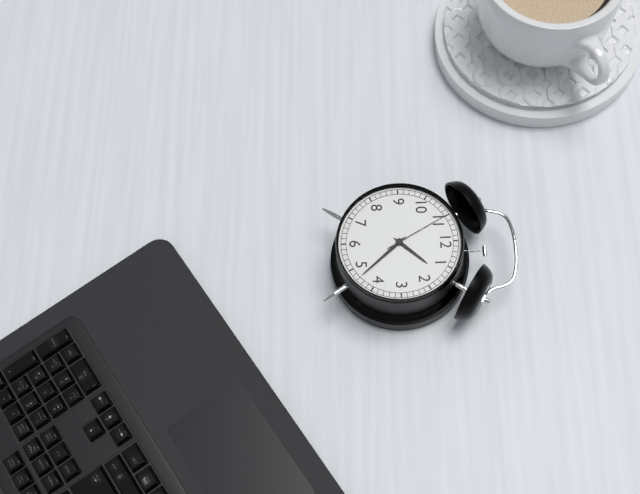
**1:23:55**
